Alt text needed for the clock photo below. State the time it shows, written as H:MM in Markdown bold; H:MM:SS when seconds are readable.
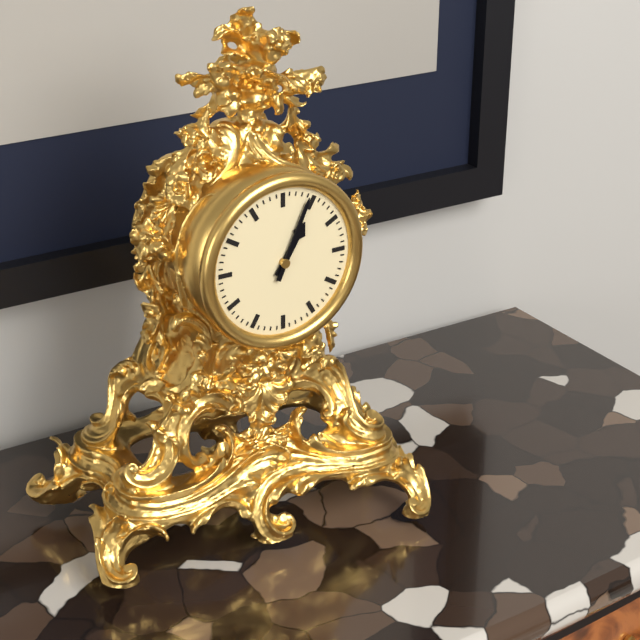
**1:04**
